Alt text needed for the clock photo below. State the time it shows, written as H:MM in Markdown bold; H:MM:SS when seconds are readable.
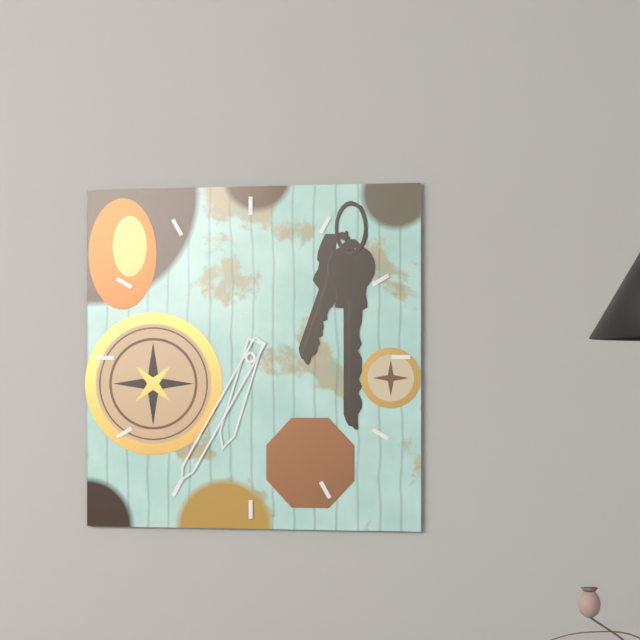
**6:35**
